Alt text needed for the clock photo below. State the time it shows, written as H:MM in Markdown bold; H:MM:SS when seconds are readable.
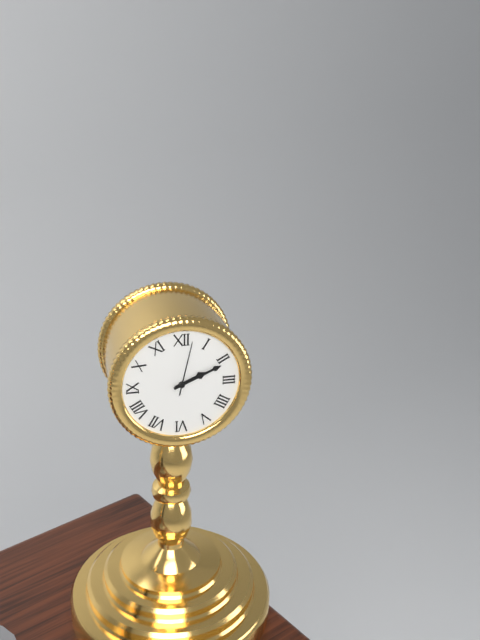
**2:11**
